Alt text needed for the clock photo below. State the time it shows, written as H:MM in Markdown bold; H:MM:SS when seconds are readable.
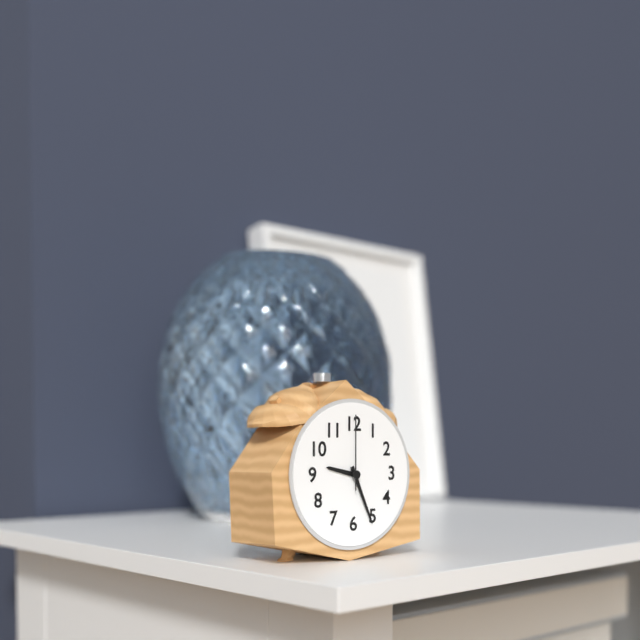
**9:26:00**
